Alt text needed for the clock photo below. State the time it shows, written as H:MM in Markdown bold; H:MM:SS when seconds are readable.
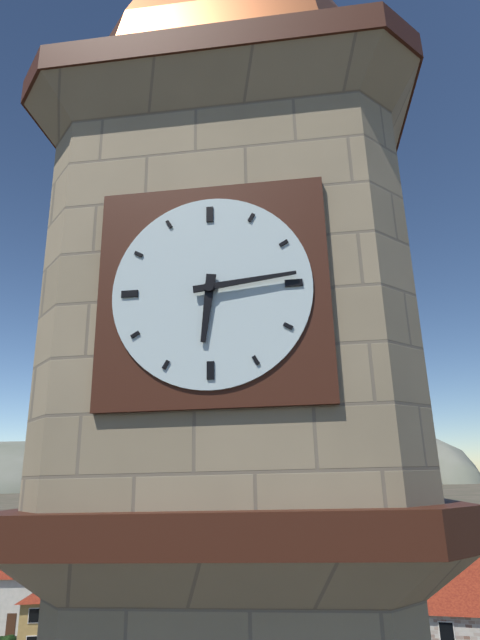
**6:14**
